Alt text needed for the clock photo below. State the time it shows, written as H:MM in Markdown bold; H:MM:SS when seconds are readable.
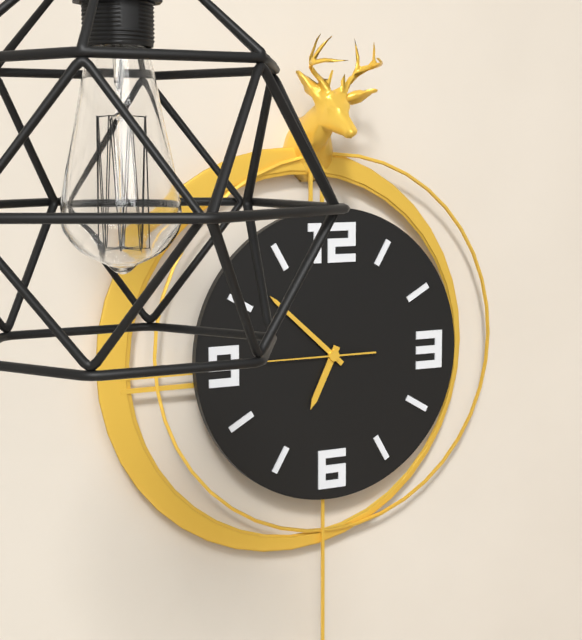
**6:52:45**
